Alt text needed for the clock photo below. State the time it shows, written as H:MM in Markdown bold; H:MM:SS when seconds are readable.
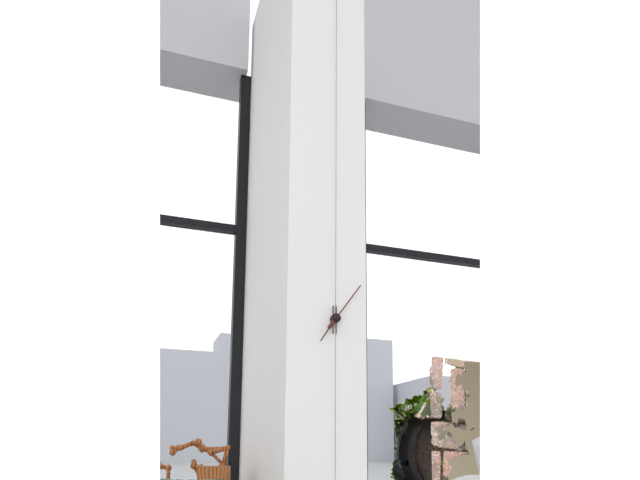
**7:06**
